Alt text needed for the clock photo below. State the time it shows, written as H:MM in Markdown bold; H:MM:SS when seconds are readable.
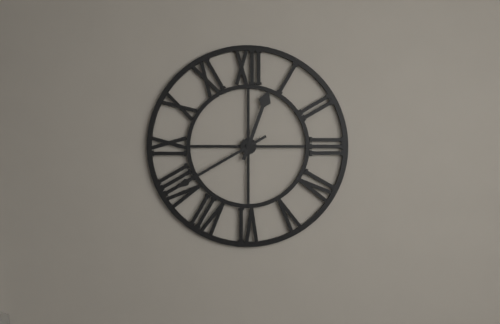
**12:40**
